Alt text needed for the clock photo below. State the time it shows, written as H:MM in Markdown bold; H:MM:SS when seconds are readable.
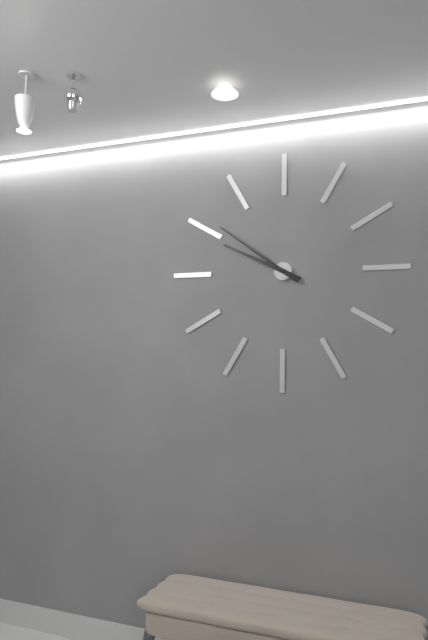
**9:51**
